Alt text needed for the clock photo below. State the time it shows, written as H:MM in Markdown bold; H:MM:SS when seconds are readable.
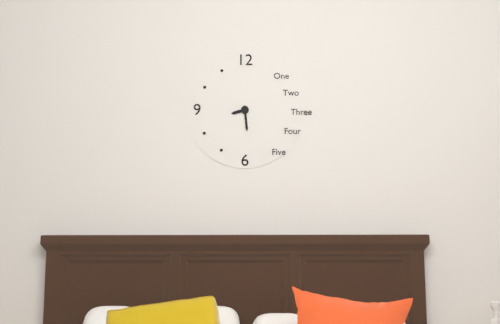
**8:29**
